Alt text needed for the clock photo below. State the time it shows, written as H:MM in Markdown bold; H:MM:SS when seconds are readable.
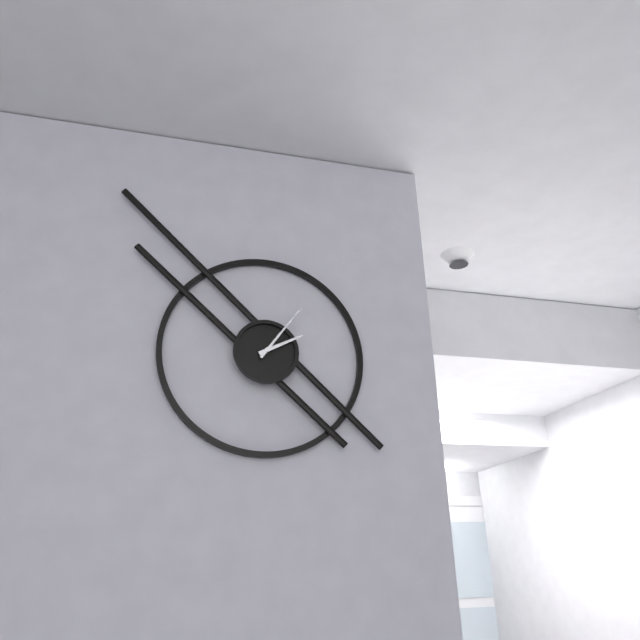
**2:06**
